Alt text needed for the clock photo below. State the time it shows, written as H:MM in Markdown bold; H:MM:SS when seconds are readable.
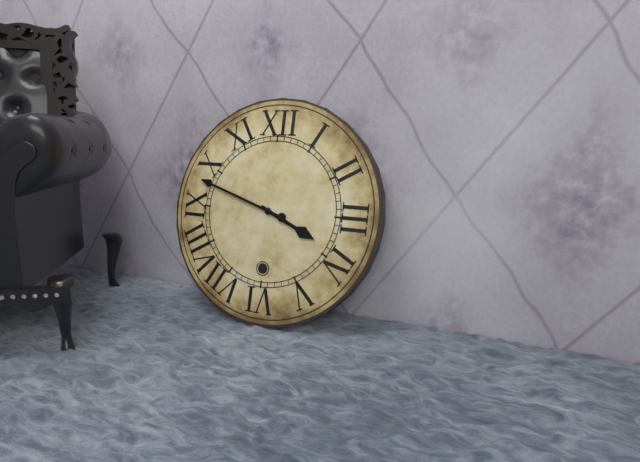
**3:48**
